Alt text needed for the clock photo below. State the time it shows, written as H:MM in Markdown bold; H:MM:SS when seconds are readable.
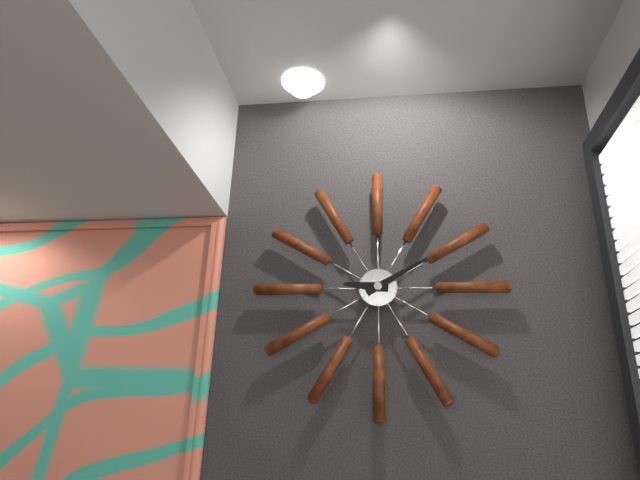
**9:10**
